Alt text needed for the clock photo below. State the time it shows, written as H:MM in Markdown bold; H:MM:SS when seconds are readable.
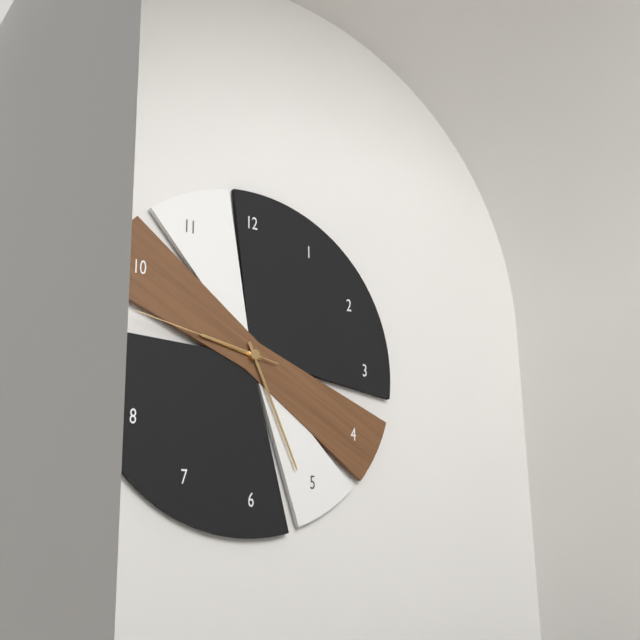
**9:26:47**
